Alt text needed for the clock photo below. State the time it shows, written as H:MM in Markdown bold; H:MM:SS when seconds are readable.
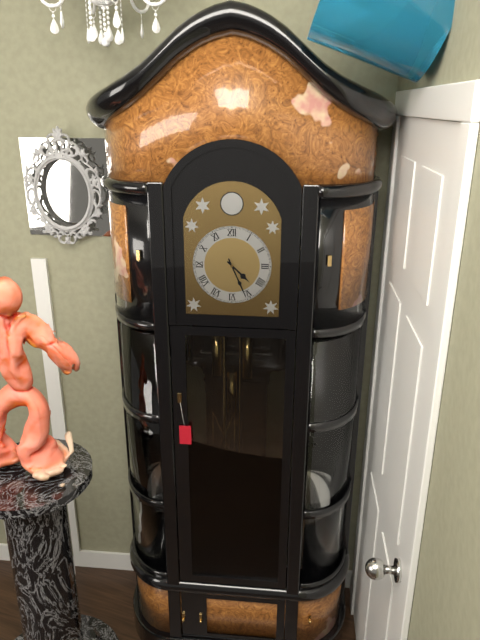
**4:26**
